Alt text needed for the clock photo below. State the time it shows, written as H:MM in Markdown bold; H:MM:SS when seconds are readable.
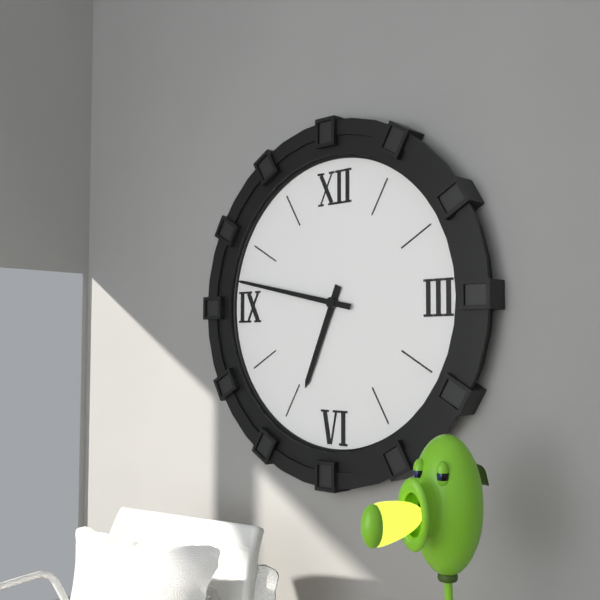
**6:47**
